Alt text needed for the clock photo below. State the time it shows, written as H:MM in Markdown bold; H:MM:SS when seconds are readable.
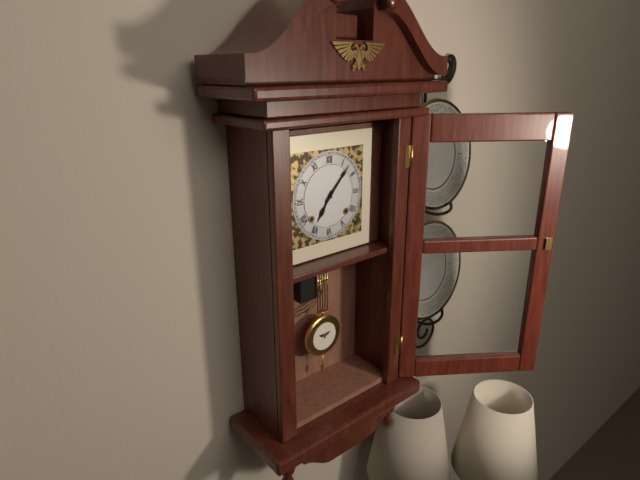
**7:07**
